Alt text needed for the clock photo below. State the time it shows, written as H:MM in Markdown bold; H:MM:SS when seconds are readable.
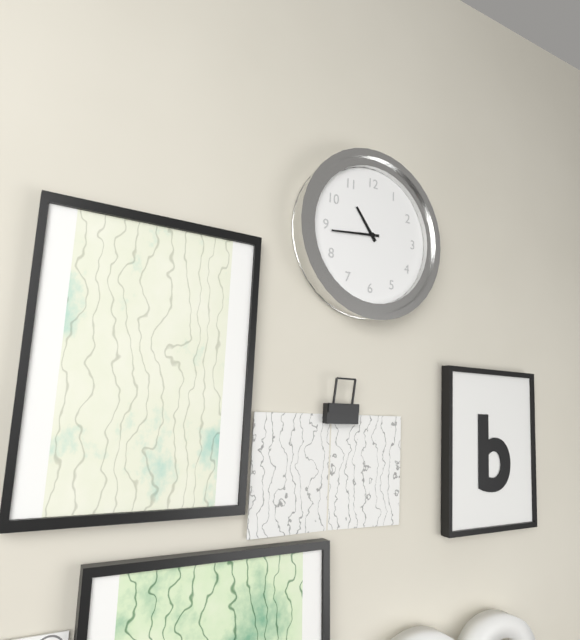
**10:44**
